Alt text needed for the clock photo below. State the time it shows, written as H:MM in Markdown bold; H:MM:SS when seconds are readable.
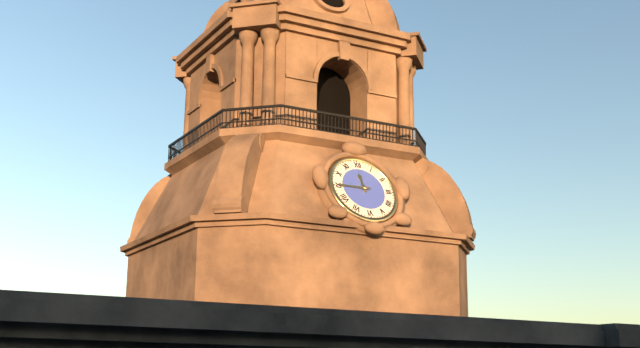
**11:45**
